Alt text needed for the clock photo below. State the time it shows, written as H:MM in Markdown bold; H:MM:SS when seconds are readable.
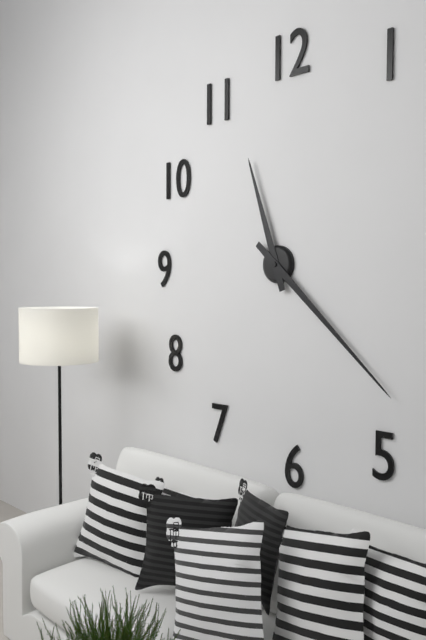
**11:22**
